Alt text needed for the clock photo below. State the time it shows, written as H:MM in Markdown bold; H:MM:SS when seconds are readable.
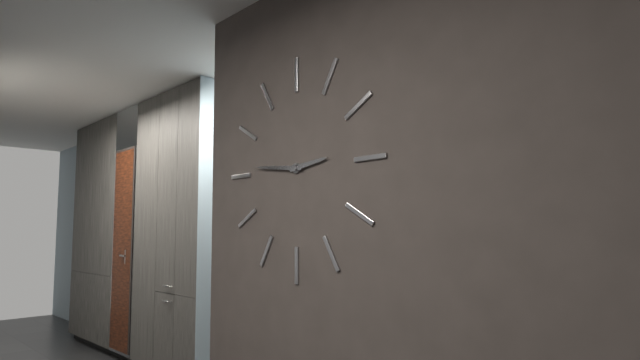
**2:46**
